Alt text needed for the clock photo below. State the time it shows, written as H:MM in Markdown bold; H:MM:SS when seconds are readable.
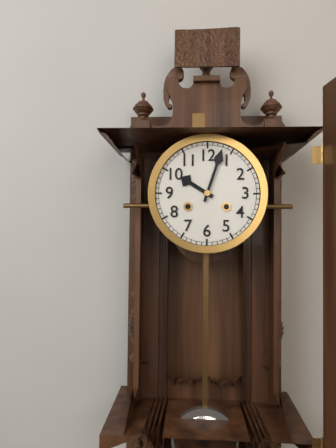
**10:03**
